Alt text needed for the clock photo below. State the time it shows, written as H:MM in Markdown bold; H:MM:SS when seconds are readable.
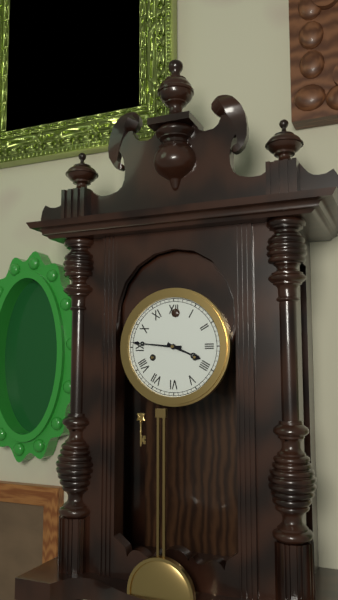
**3:46**
